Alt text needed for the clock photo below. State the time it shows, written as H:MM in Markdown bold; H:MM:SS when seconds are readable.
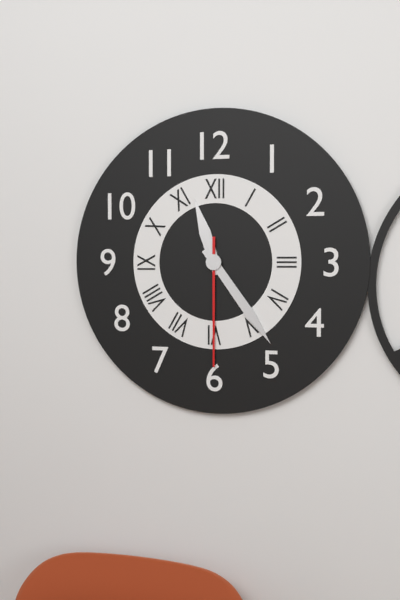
**11:24:30**
